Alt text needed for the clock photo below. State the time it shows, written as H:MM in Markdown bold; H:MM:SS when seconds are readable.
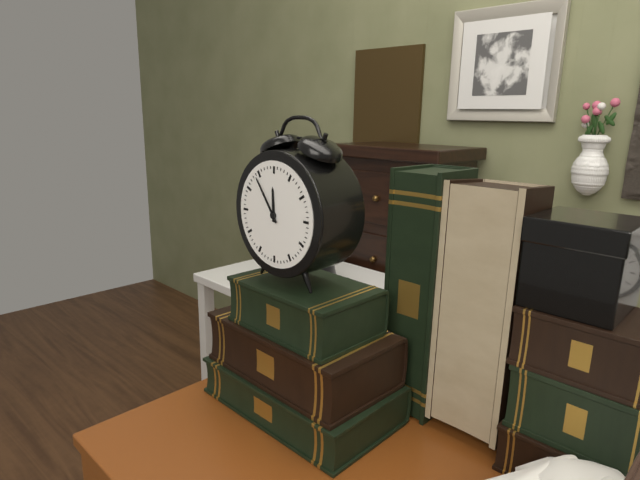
**11:54**
